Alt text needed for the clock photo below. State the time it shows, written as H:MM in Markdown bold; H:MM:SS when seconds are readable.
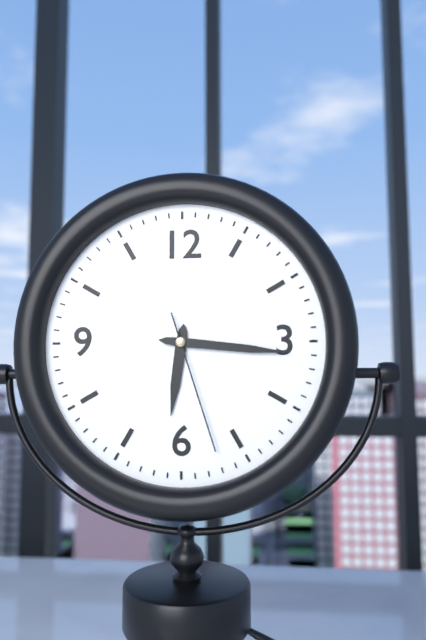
**6:16:27**
